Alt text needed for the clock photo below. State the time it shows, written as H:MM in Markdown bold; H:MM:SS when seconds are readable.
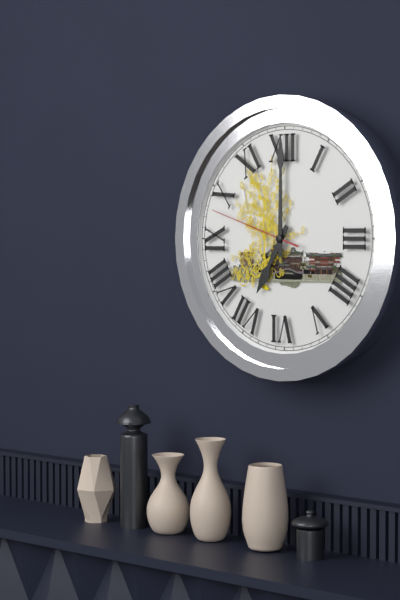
**7:00:48**
